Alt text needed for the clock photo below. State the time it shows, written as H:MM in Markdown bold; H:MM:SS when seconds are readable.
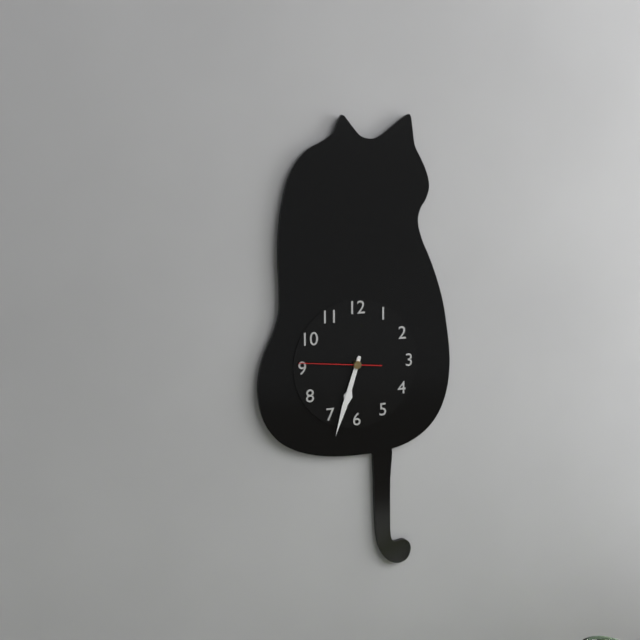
**6:33:46**
